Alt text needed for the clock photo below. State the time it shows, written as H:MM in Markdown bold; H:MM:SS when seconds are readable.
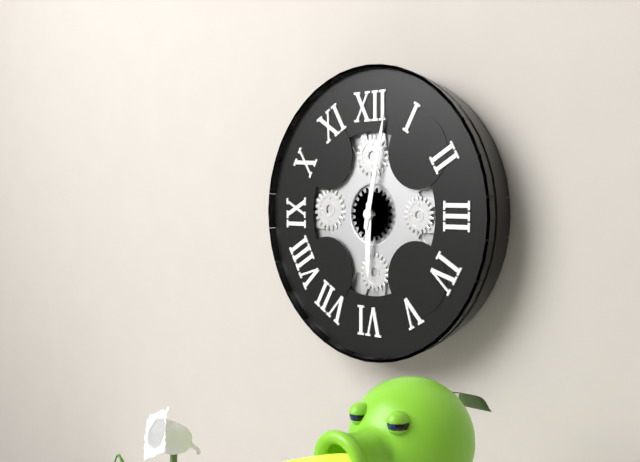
**6:02**
